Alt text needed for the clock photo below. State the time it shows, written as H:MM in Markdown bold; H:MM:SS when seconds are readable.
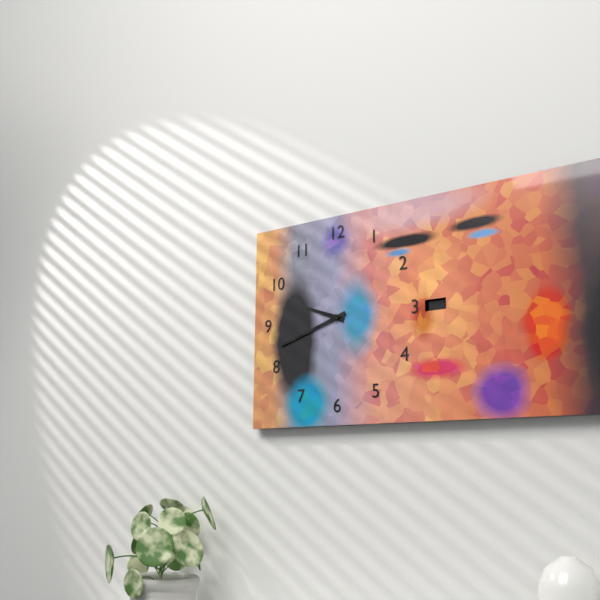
**9:42**
